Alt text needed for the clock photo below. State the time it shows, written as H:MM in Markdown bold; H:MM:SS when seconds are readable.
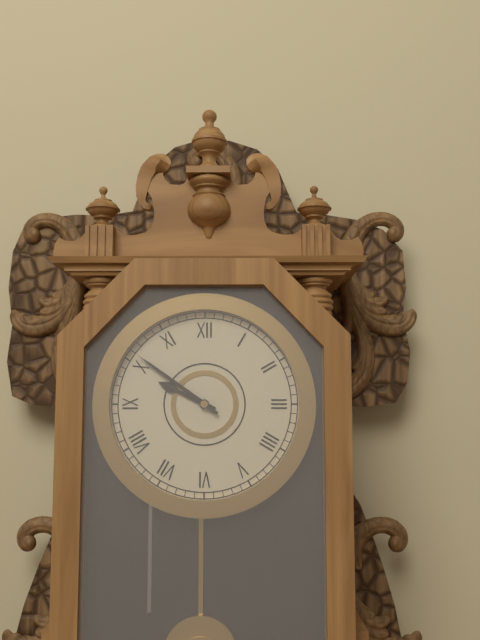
**9:51**
